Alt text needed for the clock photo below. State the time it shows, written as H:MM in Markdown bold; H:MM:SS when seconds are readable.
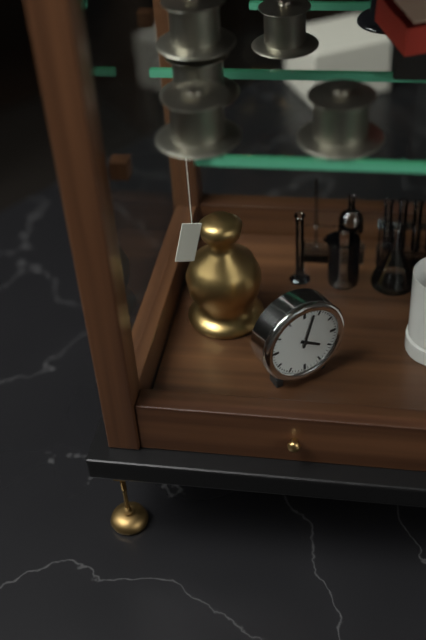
**4:03**
